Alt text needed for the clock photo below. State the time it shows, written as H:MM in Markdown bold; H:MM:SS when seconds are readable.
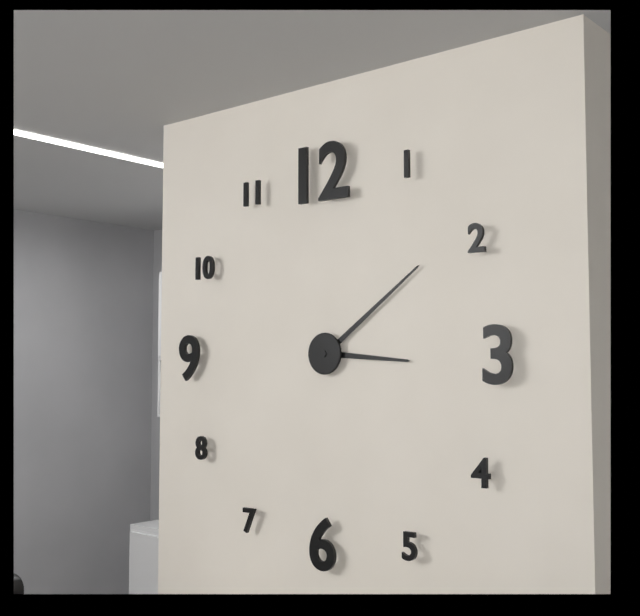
**3:09**
